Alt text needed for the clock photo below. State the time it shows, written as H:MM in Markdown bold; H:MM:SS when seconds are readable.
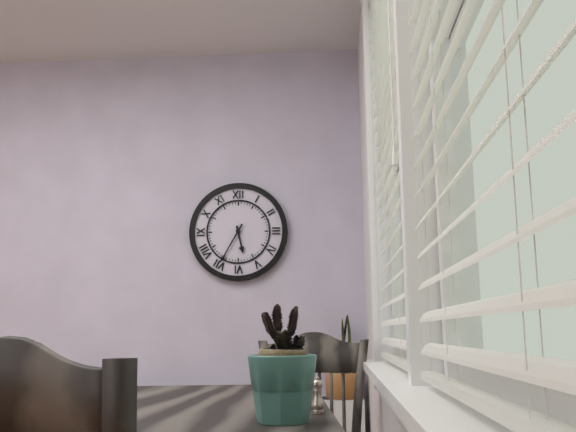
**5:35**
